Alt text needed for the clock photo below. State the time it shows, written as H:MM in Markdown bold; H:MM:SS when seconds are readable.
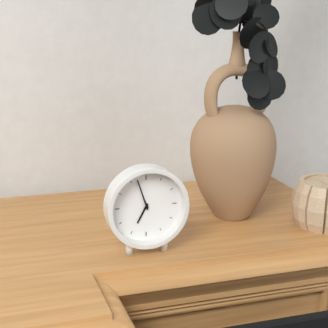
**6:57**
